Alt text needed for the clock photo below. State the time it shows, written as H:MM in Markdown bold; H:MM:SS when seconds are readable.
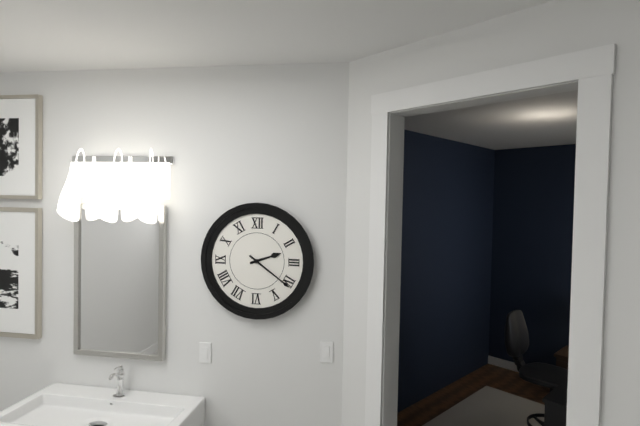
**2:21**
